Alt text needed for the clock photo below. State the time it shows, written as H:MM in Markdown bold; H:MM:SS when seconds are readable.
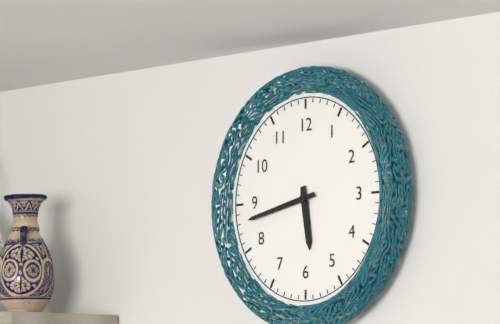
**5:43**
